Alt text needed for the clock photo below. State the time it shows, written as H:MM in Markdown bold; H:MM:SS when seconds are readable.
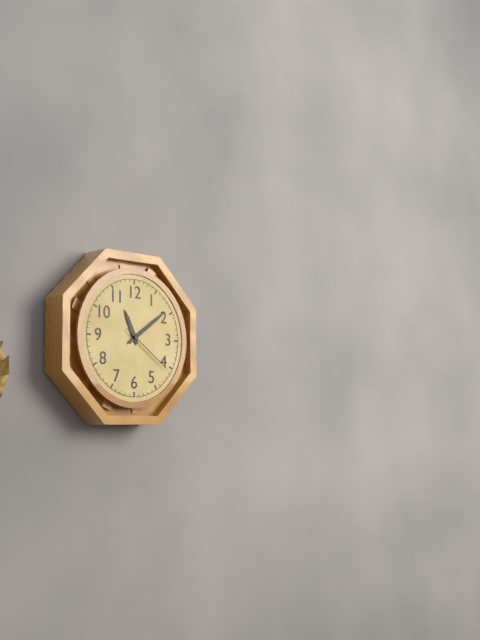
**11:09:21**
